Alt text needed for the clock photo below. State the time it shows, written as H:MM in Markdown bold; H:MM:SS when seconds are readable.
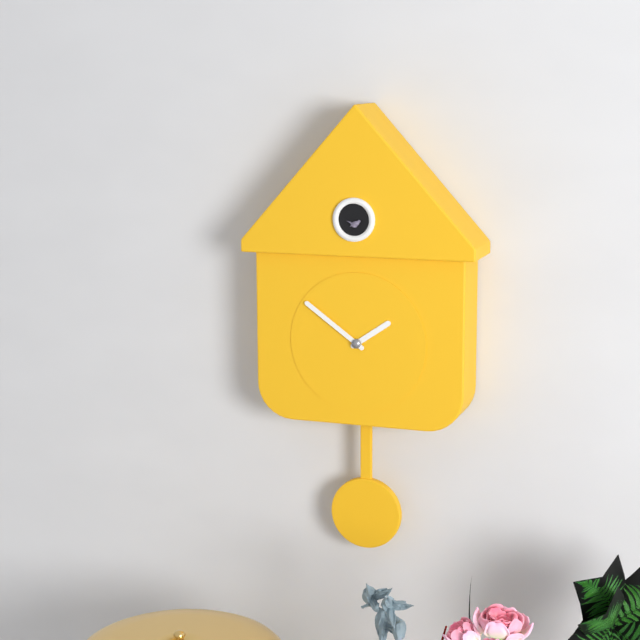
**1:51**
